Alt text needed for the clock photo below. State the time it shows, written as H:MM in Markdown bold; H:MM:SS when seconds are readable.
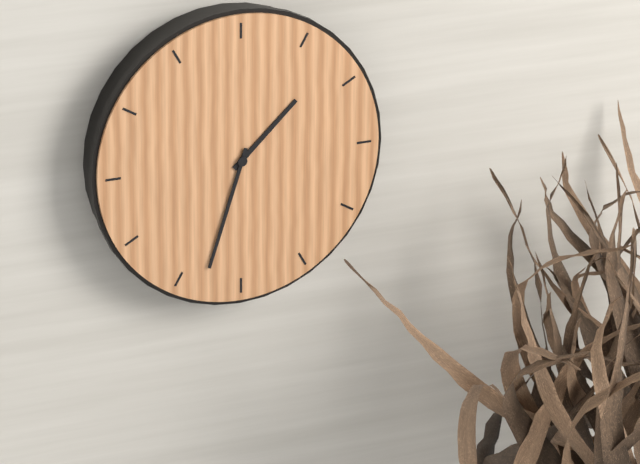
**1:33**
